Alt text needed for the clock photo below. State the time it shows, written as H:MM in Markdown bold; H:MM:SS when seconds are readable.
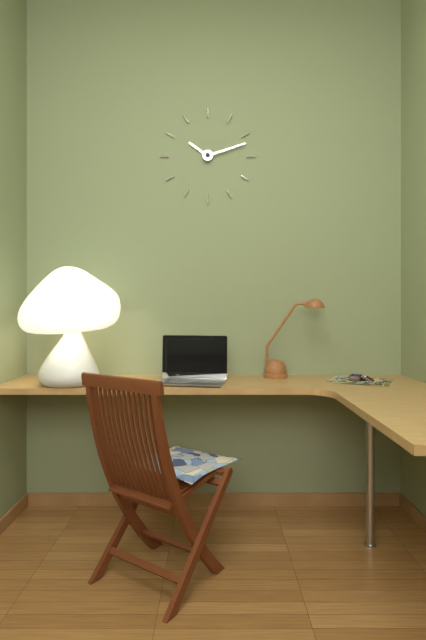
**10:12**
